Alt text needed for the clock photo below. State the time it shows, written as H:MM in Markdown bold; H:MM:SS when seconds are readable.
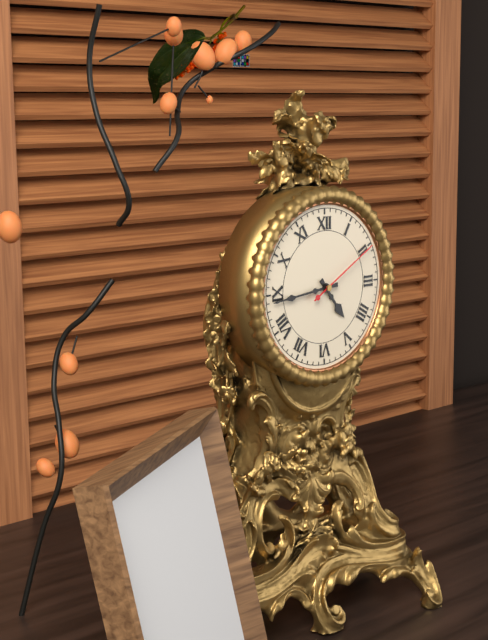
**4:44:10**
